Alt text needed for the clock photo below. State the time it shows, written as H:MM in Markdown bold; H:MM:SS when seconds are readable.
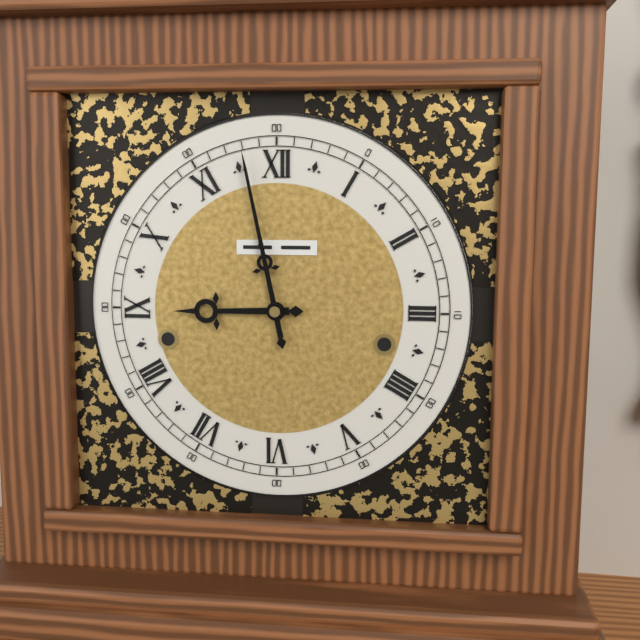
**8:58**
